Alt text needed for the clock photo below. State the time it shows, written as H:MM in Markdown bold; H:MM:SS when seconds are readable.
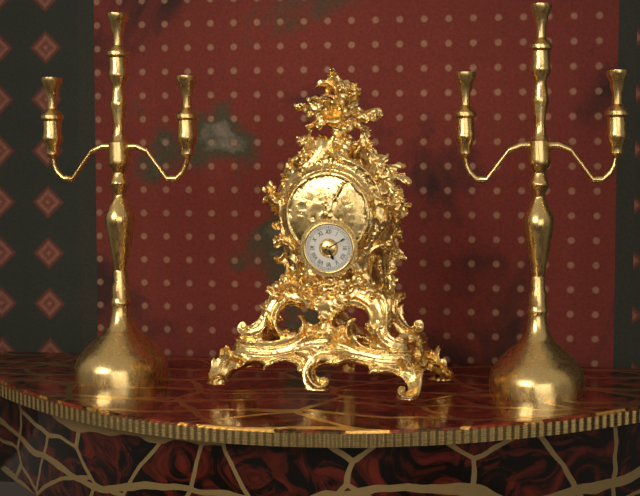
**5:10**
